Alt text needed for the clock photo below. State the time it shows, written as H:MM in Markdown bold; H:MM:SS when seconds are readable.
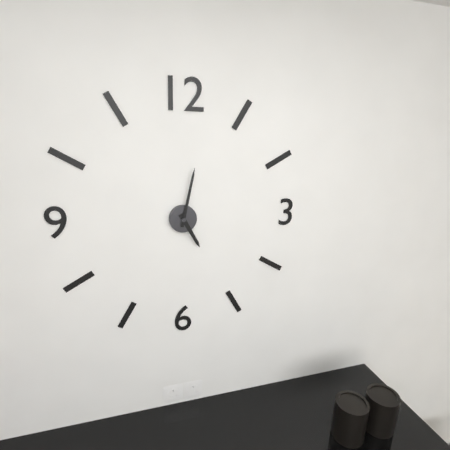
**5:02**
